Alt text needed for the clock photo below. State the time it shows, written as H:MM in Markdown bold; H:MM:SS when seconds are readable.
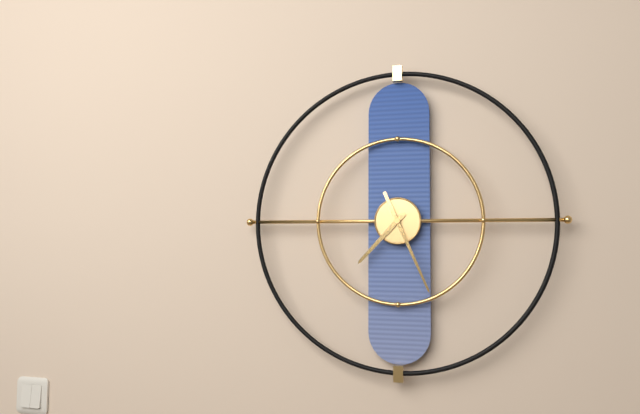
**7:26**
